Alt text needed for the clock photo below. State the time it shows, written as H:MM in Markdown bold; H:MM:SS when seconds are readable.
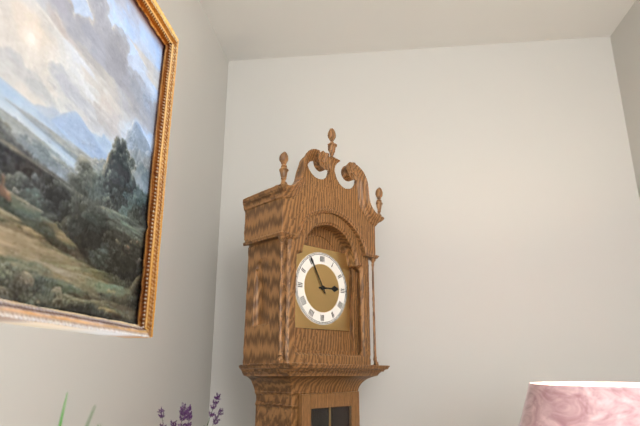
**2:55**
